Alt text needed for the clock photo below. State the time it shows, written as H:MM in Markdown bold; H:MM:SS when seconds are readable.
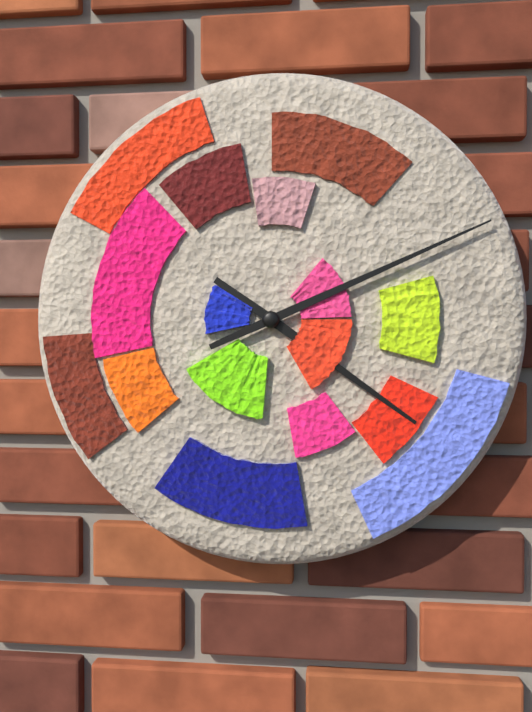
**4:11**
